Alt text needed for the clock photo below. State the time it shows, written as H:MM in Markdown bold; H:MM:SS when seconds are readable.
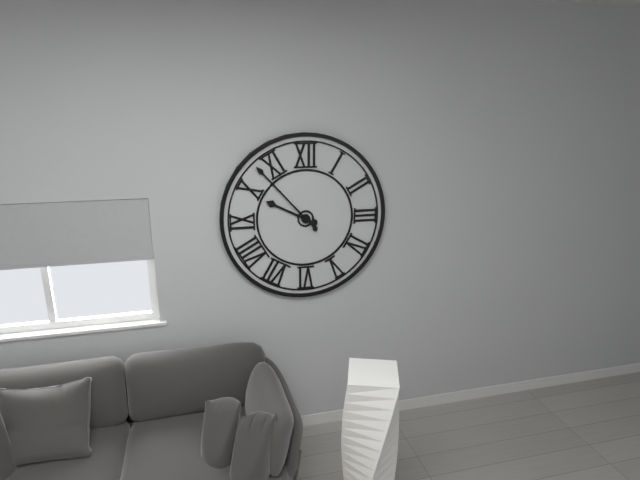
**9:53**
